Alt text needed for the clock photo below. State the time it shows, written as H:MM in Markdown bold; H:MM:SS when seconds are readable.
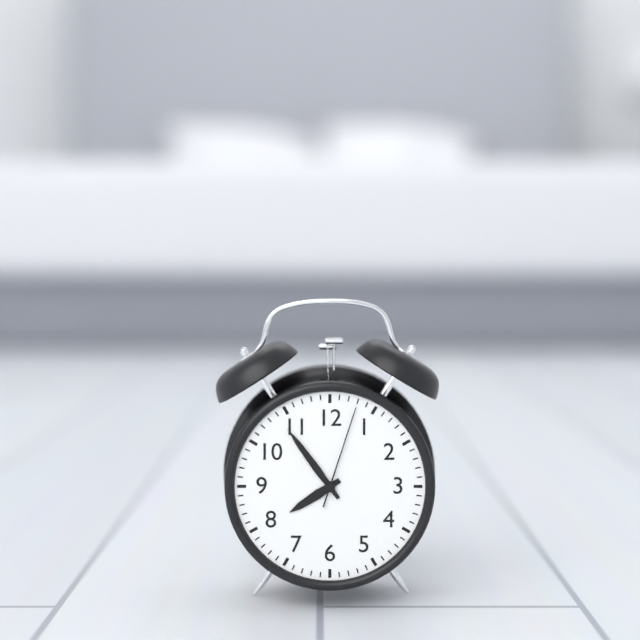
**7:54:03**
